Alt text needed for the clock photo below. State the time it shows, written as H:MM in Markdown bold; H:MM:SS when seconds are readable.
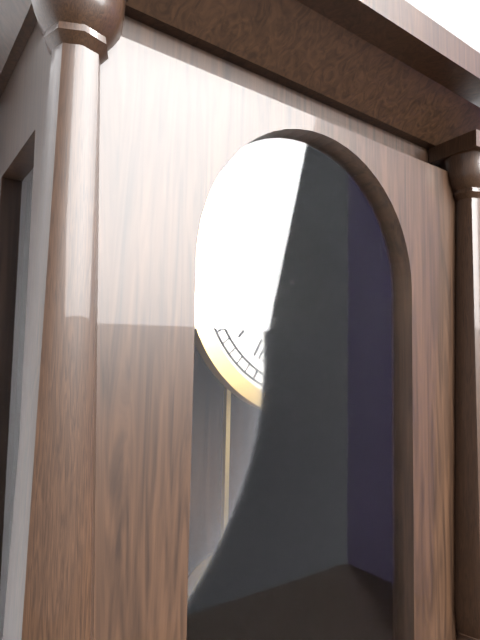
**1:44**
